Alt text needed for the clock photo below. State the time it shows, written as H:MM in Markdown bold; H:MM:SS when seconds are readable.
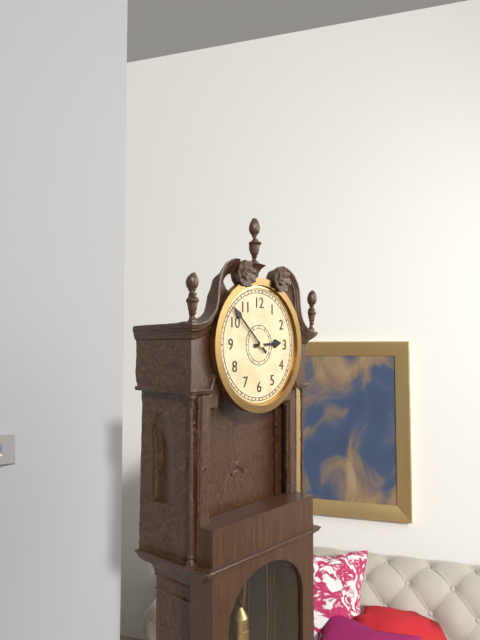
**2:52**
